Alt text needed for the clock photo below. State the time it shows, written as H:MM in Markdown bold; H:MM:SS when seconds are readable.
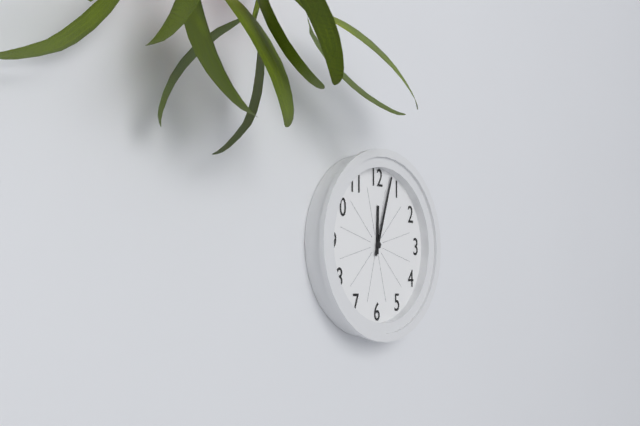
**12:03**
